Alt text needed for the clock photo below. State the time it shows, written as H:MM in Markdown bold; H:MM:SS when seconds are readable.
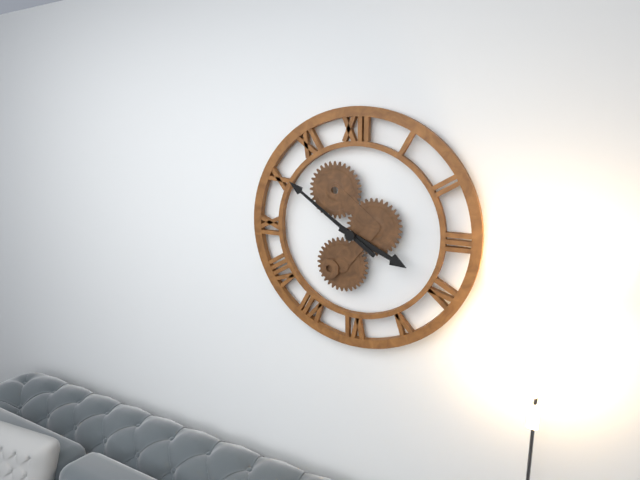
**3:51**
